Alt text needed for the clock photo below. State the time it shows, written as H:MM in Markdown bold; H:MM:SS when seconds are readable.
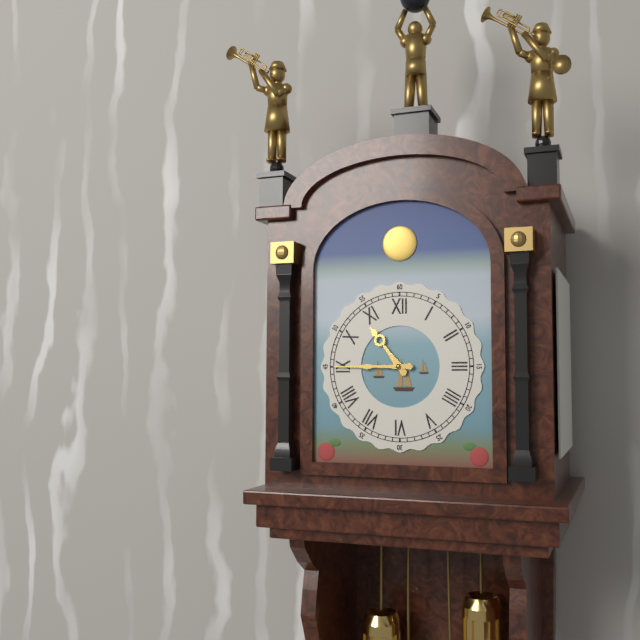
**10:45**
